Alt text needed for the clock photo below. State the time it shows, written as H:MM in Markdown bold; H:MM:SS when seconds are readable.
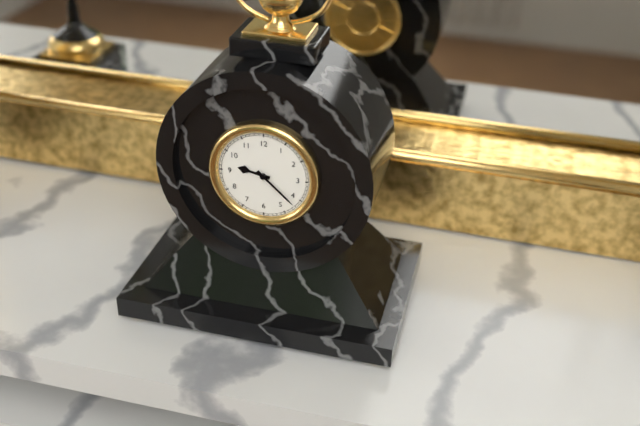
**9:22**
